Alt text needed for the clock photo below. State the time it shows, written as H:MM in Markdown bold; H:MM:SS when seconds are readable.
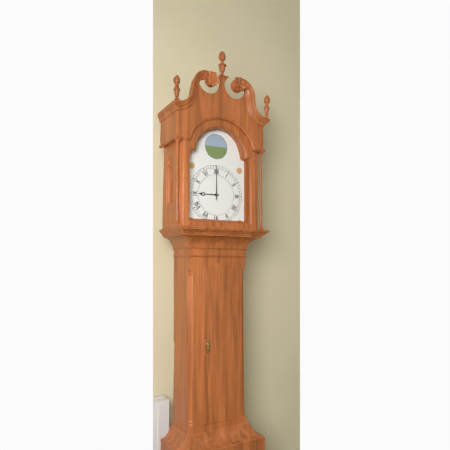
**9:00**
